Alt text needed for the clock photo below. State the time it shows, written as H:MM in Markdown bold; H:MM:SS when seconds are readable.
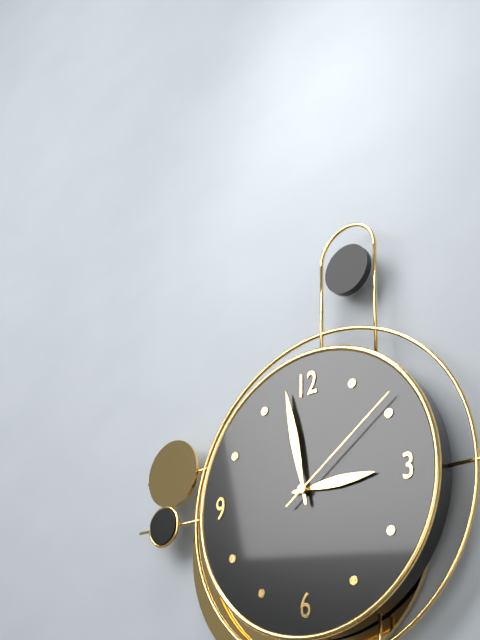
**2:58:09**
